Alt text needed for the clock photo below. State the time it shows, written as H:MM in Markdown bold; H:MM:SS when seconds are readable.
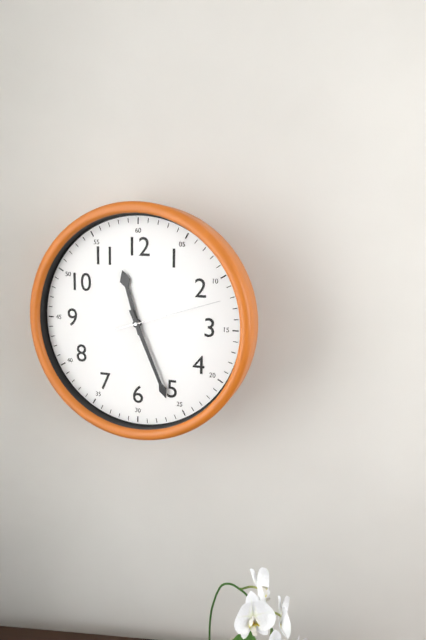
**11:26:12**
